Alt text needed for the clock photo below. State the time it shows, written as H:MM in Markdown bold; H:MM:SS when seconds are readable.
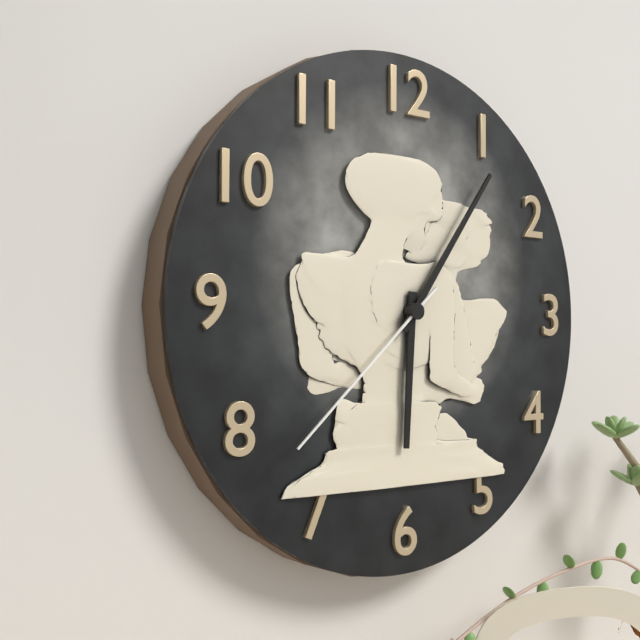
**6:06:38**
